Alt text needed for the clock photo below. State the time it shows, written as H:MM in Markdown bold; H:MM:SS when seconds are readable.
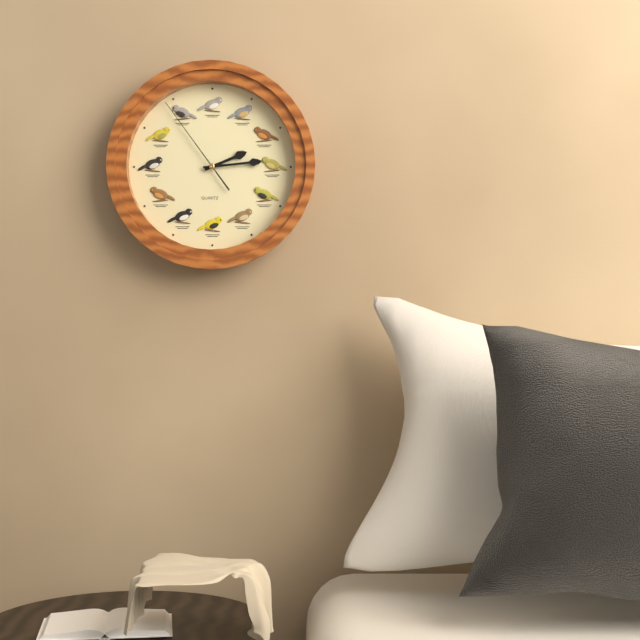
**2:14:54**
